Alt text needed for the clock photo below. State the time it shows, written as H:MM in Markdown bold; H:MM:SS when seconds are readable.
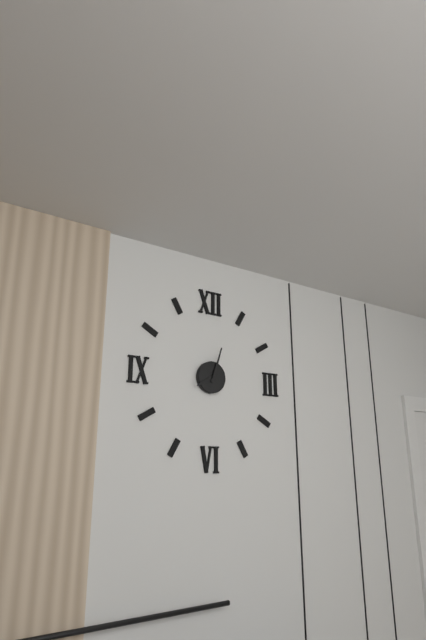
**8:03**
